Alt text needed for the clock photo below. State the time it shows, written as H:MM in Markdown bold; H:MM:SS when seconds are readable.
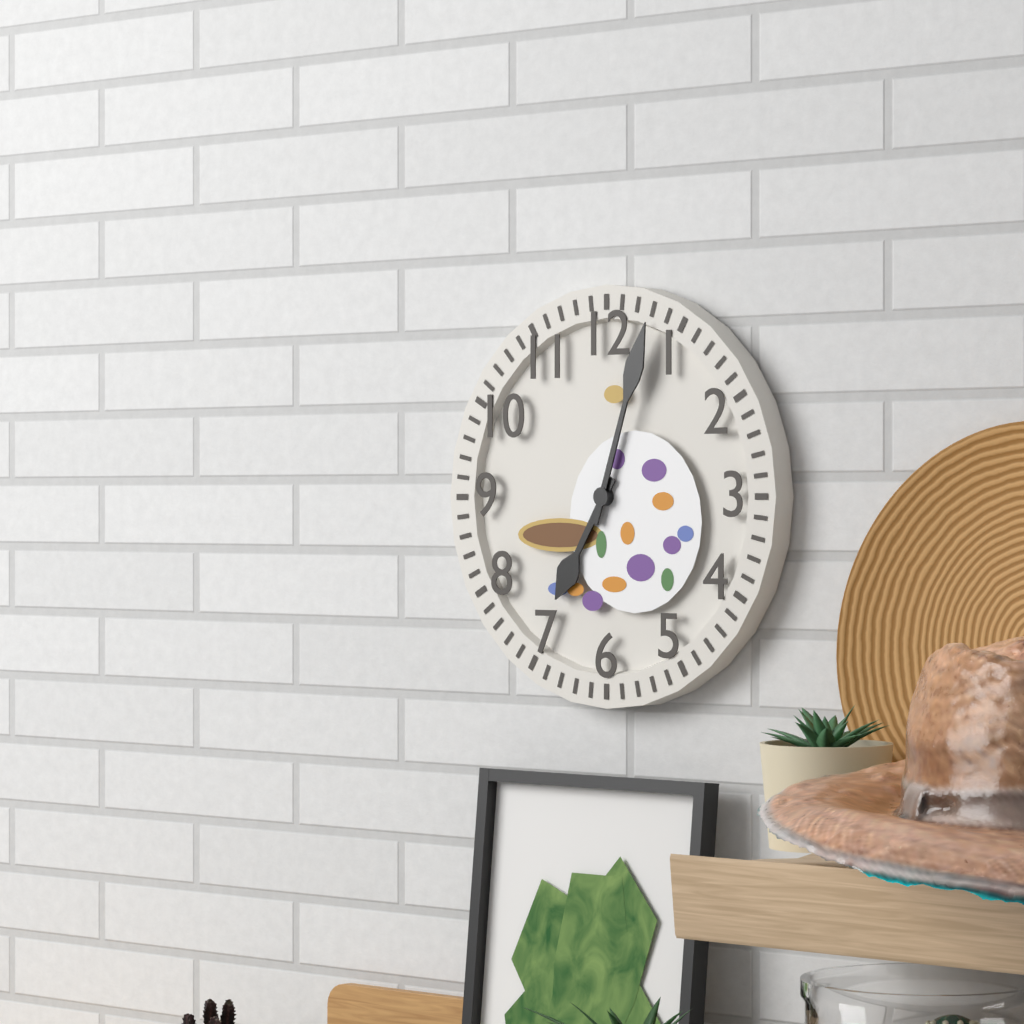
**7:03**
